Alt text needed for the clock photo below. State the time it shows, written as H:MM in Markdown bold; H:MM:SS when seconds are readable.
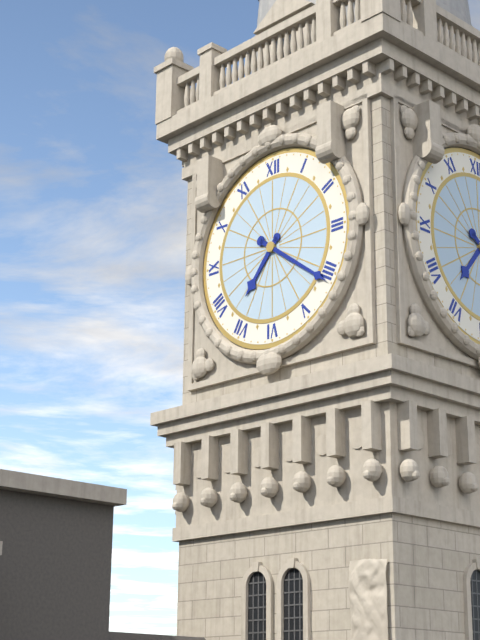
**7:21**
